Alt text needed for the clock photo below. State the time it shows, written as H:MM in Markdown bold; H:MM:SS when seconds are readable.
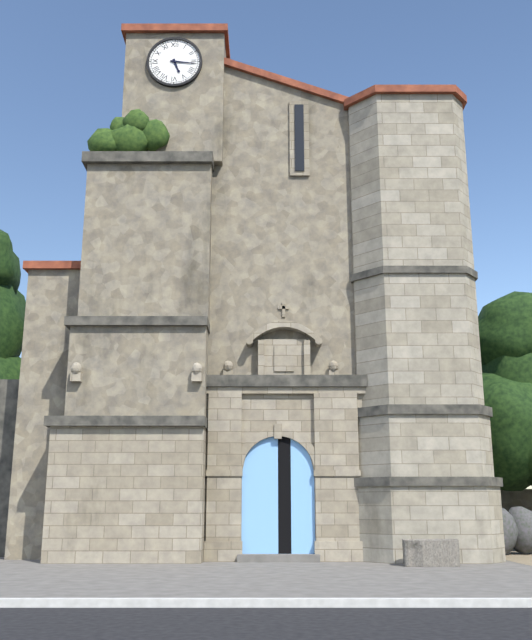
**5:16**
